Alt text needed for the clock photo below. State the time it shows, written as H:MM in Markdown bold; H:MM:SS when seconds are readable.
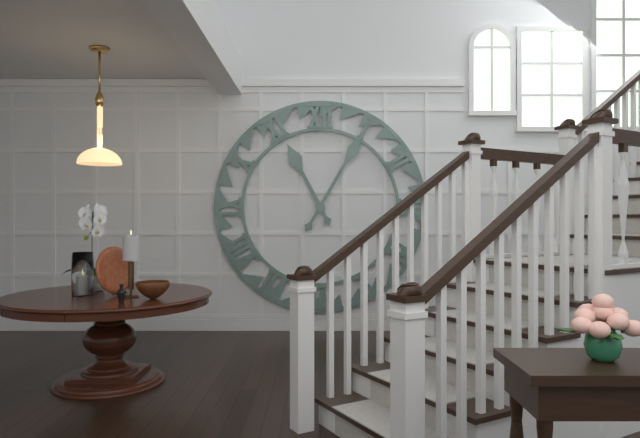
**11:05**
